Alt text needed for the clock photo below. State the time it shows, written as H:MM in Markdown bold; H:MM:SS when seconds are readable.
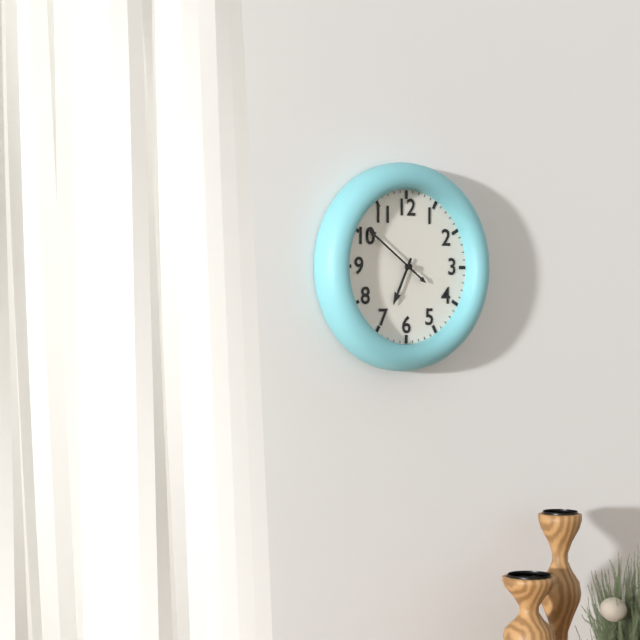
**6:51**
